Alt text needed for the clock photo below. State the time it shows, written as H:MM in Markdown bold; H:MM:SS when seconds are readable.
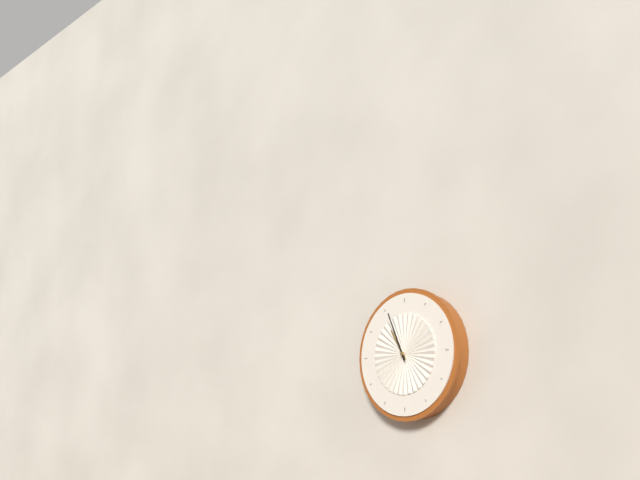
**10:56**
